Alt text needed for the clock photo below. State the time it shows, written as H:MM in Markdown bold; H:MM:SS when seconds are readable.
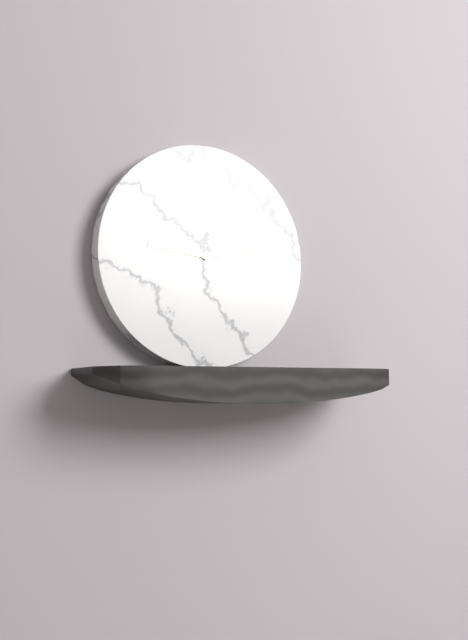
**9:13**
